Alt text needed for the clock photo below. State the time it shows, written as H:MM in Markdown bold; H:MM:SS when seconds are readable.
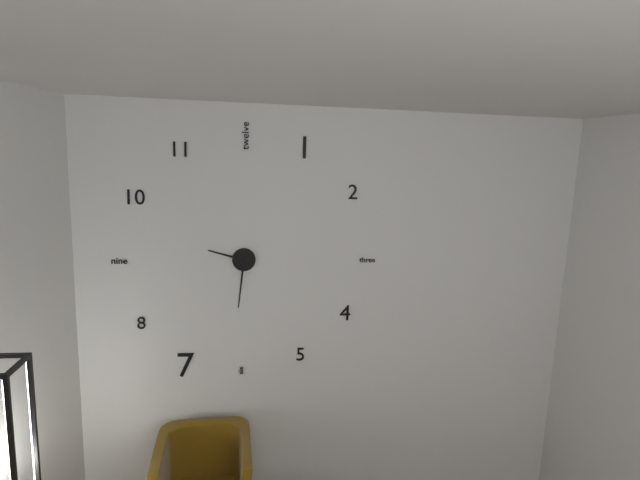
**9:31**
